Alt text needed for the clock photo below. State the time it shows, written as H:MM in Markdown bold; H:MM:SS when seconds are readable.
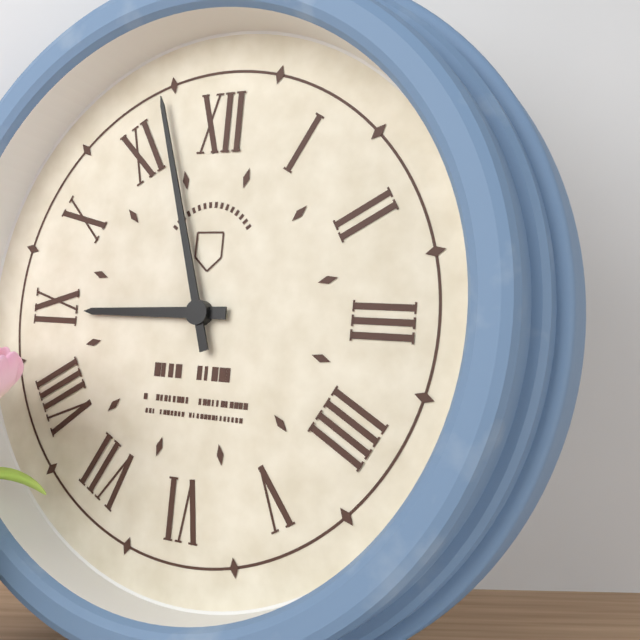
**8:57**
